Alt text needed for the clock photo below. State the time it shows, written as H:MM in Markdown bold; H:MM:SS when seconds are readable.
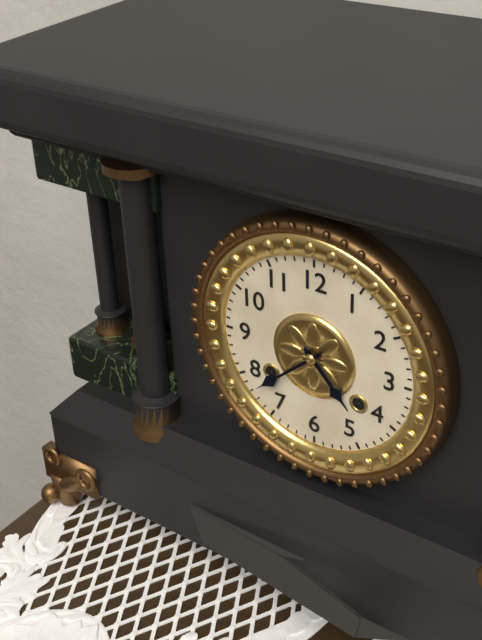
**4:38**
